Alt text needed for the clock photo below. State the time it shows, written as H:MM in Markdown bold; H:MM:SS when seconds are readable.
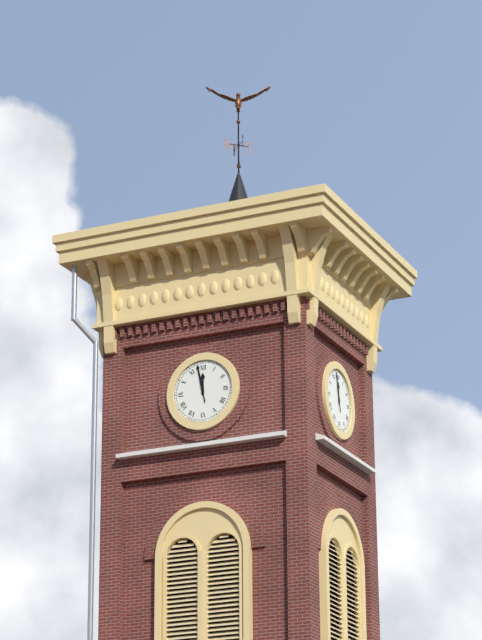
**11:58**
